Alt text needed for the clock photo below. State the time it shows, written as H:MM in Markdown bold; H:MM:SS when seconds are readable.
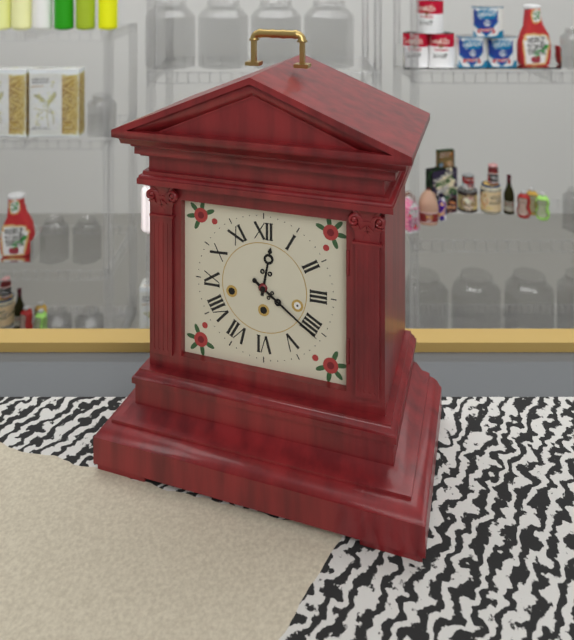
**12:21**
